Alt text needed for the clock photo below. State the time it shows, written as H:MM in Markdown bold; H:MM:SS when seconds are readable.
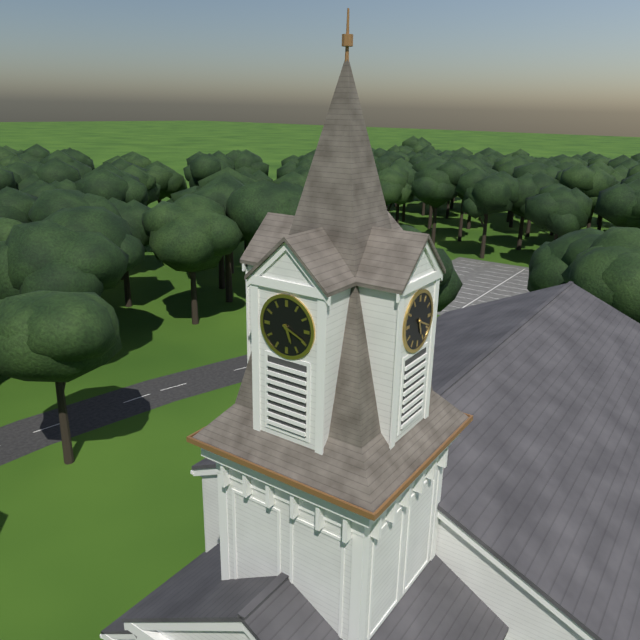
**5:19**
